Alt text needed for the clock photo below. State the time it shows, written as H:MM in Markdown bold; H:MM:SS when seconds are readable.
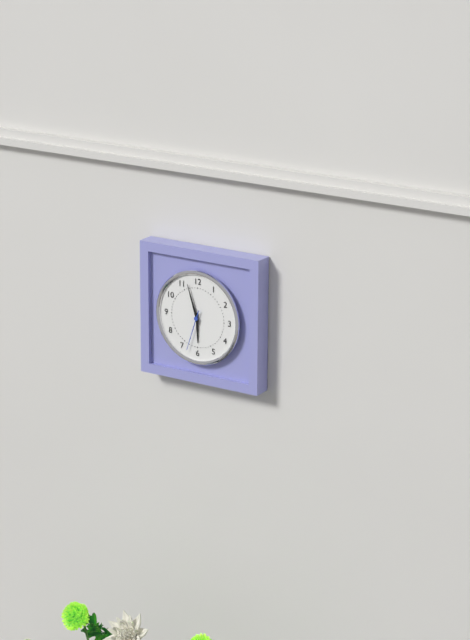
**5:57**
